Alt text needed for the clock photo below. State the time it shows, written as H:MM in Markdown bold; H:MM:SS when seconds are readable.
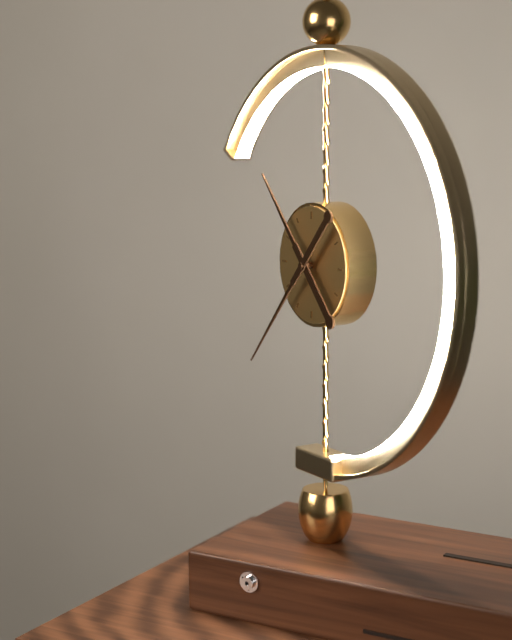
**10:37**
